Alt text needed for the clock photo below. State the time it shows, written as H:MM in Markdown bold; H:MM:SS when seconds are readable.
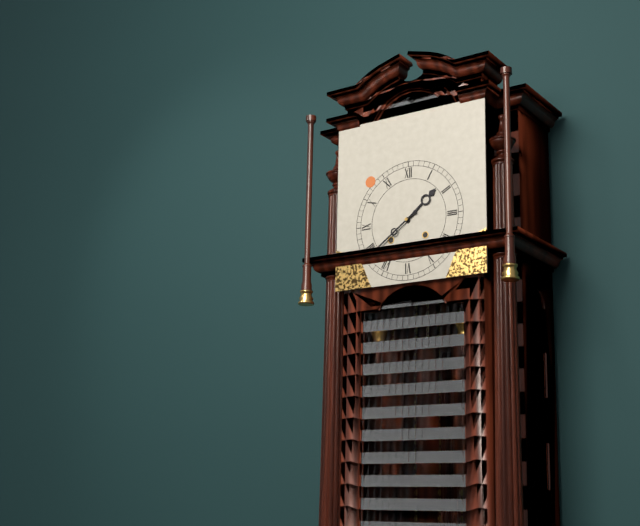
**1:39**
